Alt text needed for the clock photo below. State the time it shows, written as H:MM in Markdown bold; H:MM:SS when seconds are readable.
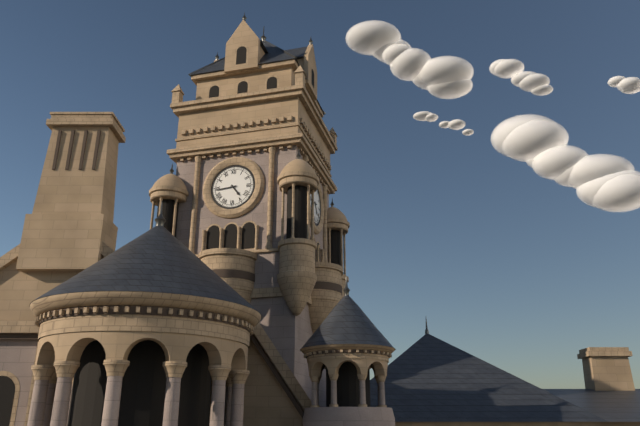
**4:44**
